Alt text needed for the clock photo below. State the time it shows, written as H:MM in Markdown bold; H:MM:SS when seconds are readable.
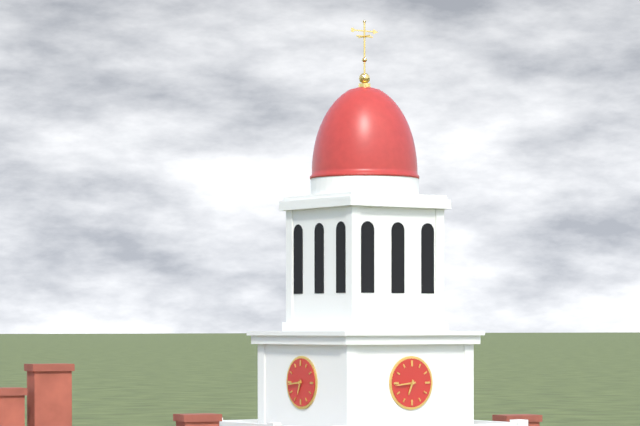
**6:44**
